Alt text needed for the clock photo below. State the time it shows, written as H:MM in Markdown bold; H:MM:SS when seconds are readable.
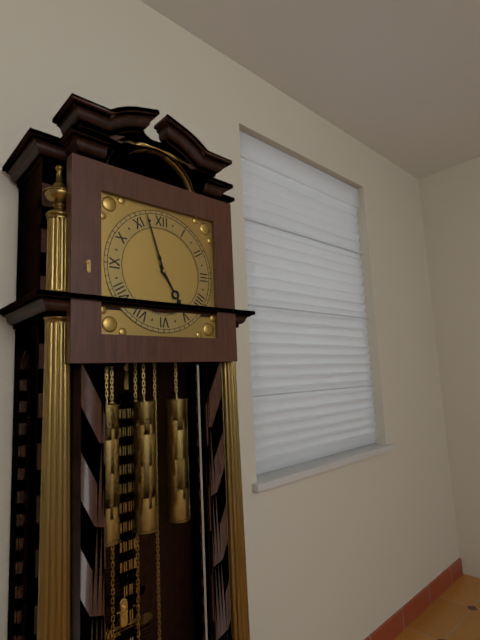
**4:57**
